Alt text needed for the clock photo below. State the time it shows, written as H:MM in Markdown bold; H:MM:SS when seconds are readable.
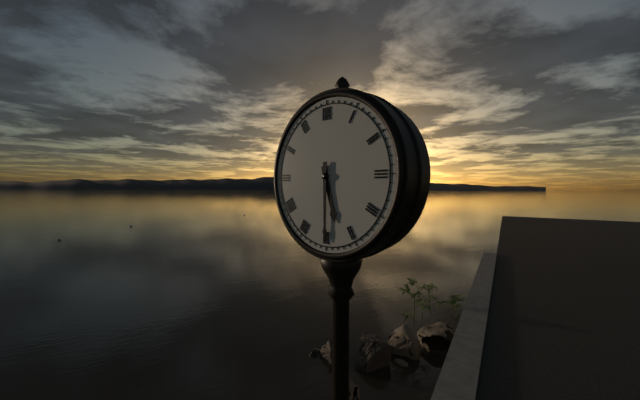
**5:30**
